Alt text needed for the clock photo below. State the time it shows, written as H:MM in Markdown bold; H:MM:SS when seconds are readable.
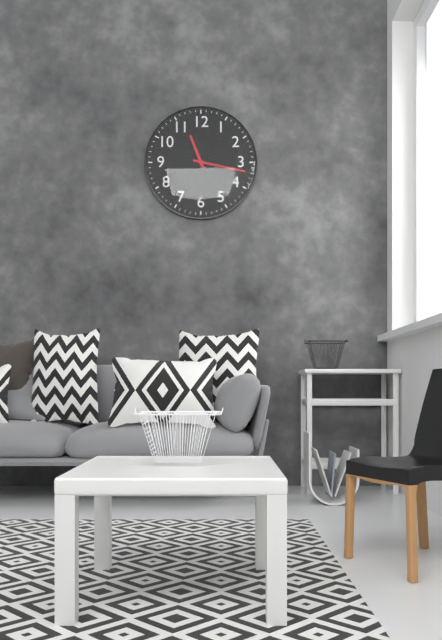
**11:17**
